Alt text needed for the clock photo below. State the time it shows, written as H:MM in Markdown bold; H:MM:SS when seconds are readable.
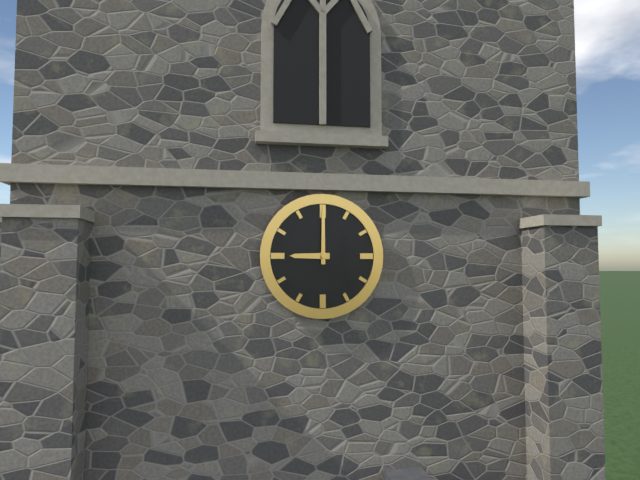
**9:00**
